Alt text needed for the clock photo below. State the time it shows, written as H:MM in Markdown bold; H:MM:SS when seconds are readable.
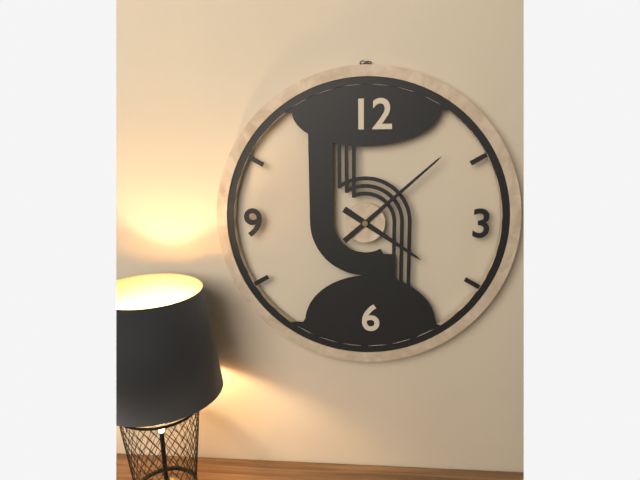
**4:08**
